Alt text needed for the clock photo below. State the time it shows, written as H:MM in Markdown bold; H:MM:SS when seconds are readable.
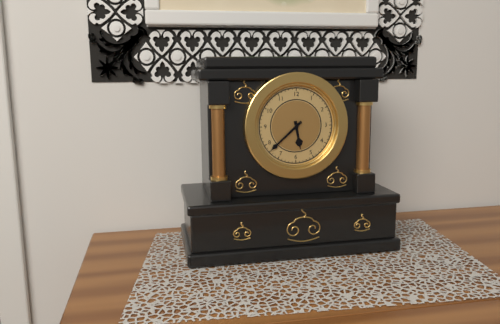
**5:38**
